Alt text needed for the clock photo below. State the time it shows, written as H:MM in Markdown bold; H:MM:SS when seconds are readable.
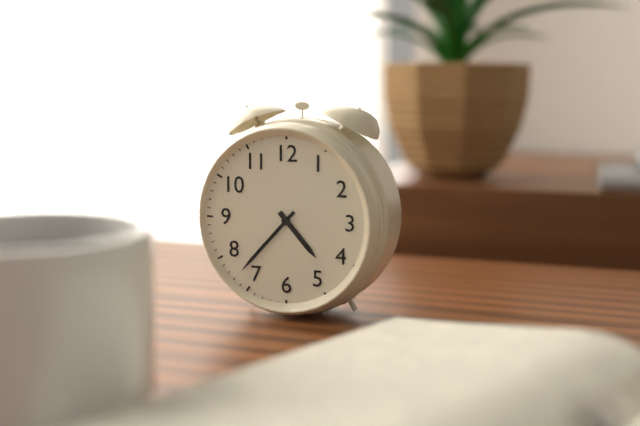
**4:37**
